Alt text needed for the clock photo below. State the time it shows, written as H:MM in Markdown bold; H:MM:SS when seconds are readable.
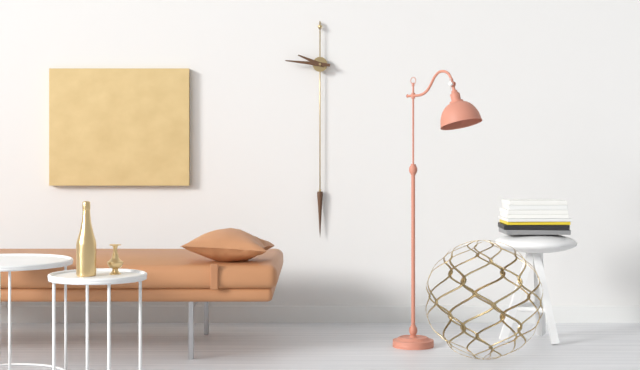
**9:46**
